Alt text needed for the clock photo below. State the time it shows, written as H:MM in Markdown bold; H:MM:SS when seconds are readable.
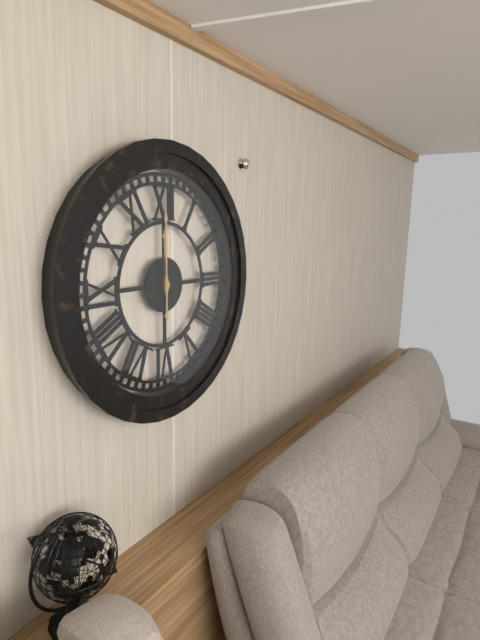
**12:00**
